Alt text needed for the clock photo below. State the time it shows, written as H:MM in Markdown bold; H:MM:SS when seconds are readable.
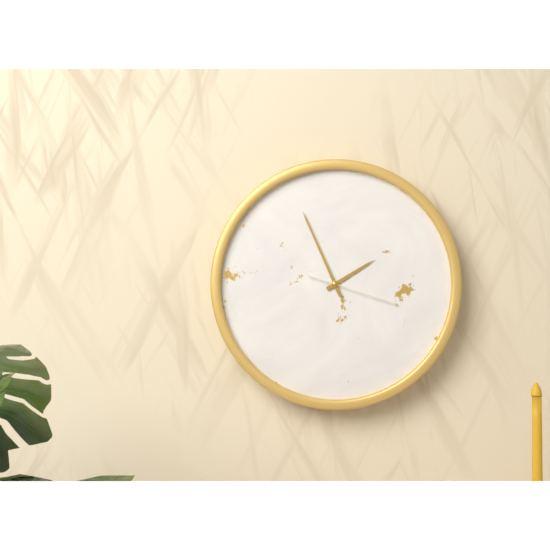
**1:56:18**
